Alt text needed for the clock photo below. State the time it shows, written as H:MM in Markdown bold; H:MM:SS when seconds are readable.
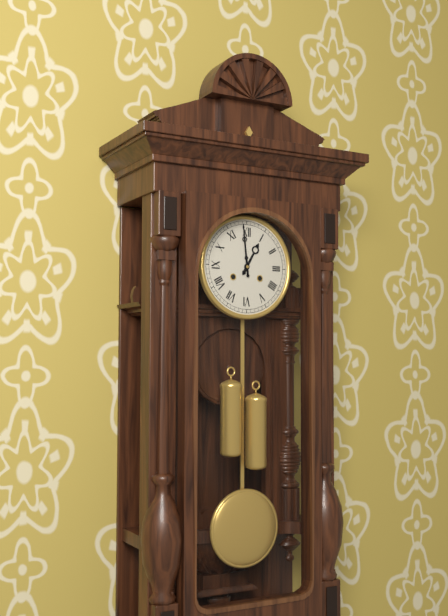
**12:59**
